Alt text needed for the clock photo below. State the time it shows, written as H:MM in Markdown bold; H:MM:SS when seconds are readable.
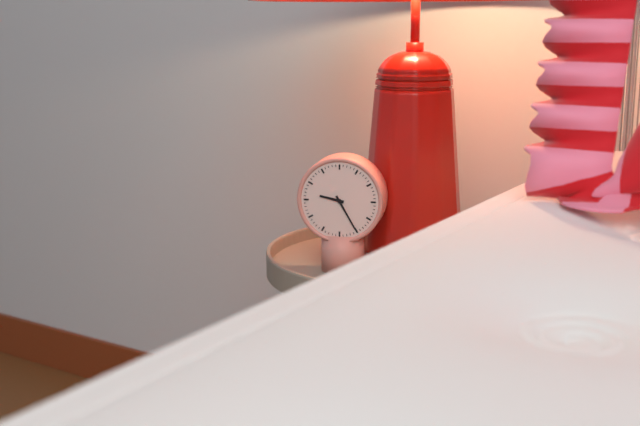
**9:25**
